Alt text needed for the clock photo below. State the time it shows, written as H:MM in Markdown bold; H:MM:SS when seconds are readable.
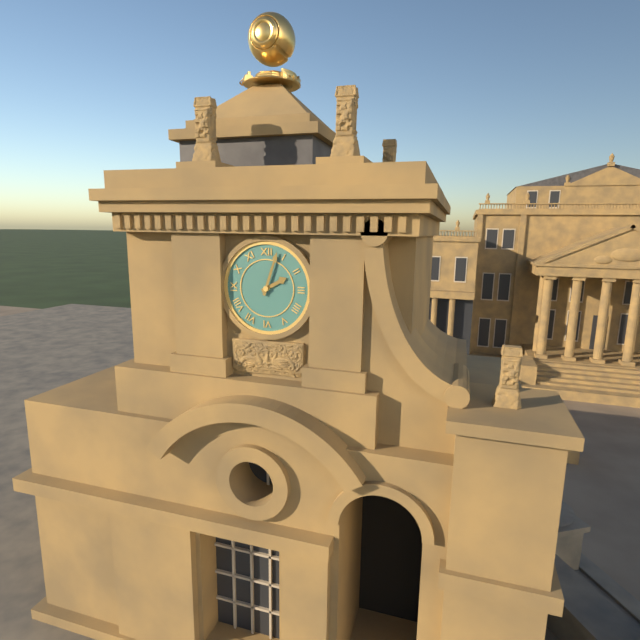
**2:03**
